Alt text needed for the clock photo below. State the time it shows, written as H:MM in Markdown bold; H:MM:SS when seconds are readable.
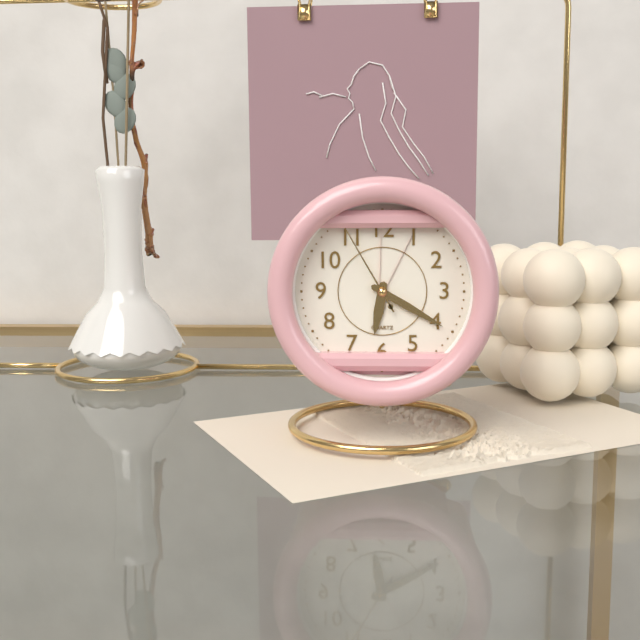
**6:20:55**
